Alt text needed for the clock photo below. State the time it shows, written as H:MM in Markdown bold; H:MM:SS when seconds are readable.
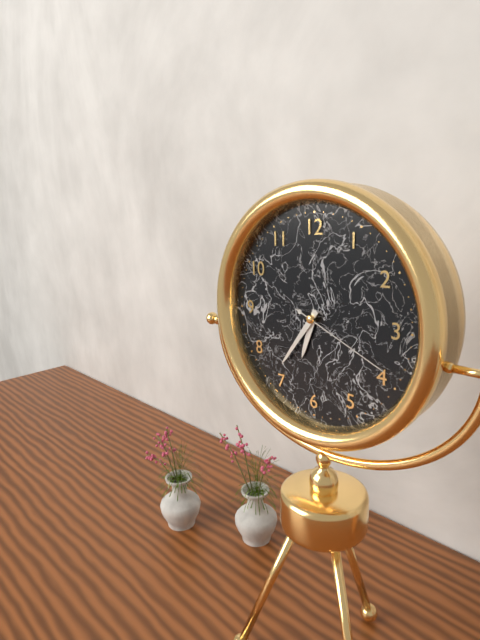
**6:36:19**
